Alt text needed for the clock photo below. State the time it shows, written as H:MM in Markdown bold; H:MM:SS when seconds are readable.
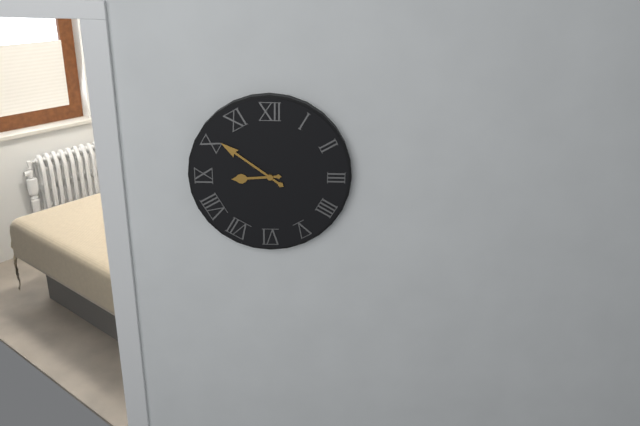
**8:51**
